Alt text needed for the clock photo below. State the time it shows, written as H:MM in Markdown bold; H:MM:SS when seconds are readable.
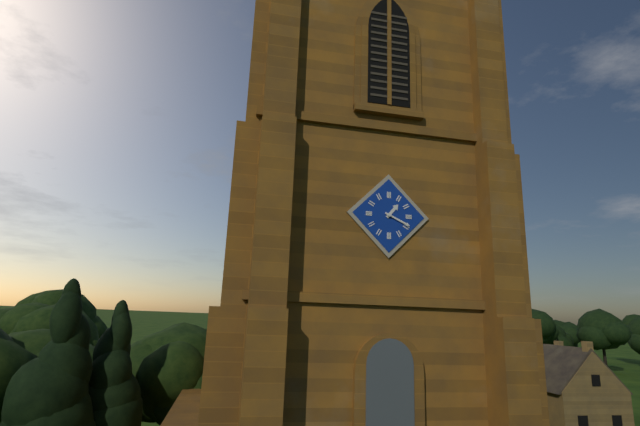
**1:19**
